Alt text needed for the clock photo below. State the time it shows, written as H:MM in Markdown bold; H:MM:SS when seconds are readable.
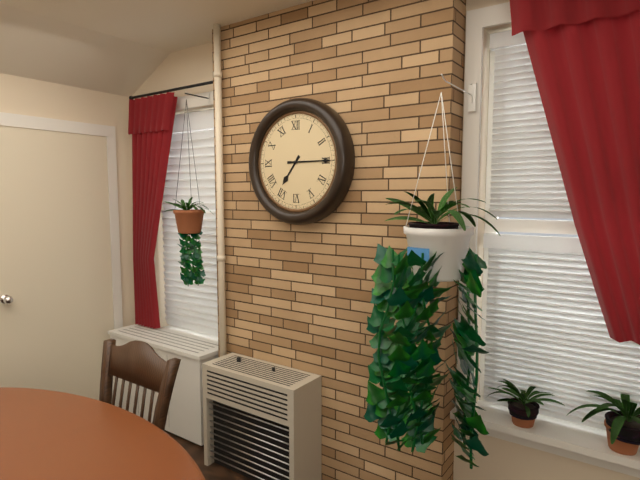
**7:15**
